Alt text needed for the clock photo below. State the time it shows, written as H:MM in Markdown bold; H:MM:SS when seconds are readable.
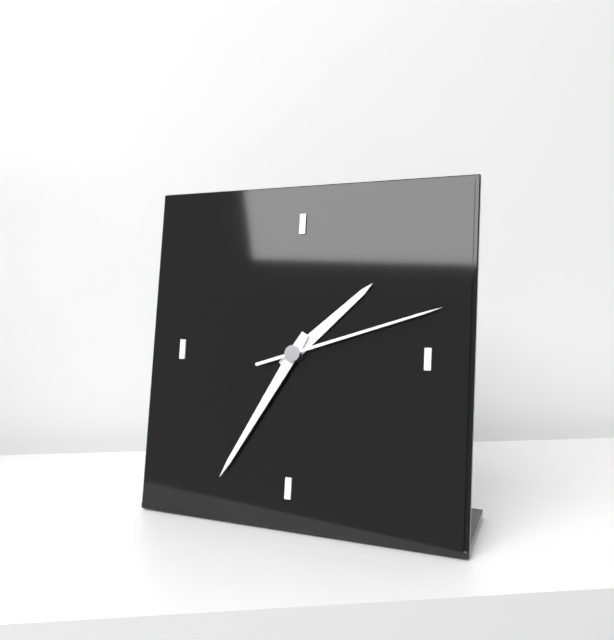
**1:35:12**
